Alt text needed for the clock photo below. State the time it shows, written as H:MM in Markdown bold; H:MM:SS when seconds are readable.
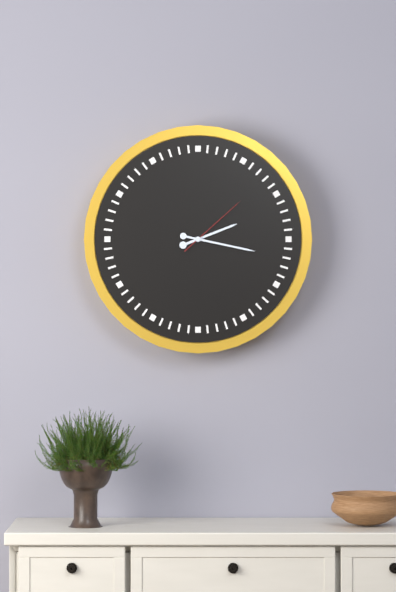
**2:17:08**
